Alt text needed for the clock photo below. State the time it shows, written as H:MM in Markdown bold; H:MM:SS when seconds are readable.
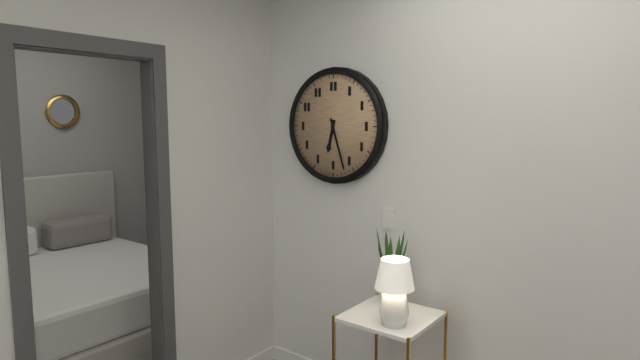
**6:27**
